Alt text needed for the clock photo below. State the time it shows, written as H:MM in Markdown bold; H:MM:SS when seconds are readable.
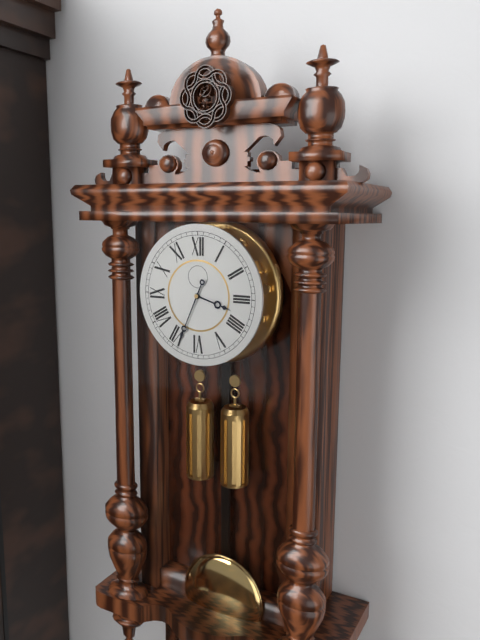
**3:34**
